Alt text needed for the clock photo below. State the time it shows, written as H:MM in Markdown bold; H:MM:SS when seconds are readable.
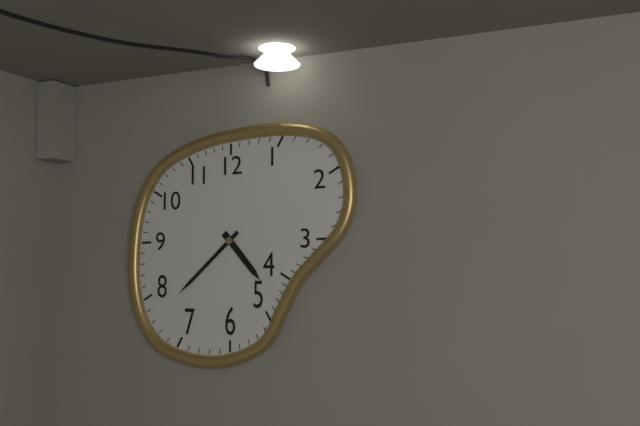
**4:38**
